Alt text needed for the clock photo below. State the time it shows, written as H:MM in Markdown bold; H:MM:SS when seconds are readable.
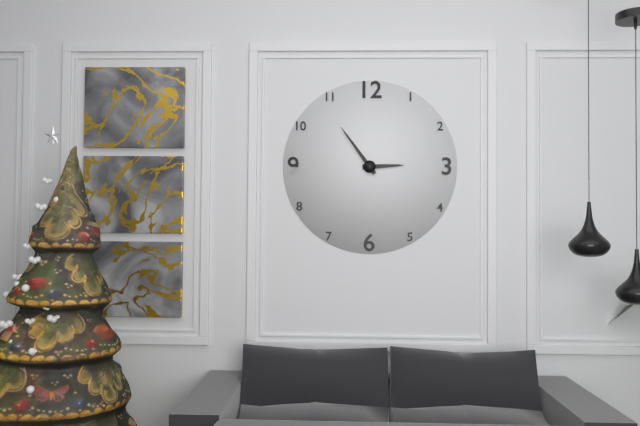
**2:54**
